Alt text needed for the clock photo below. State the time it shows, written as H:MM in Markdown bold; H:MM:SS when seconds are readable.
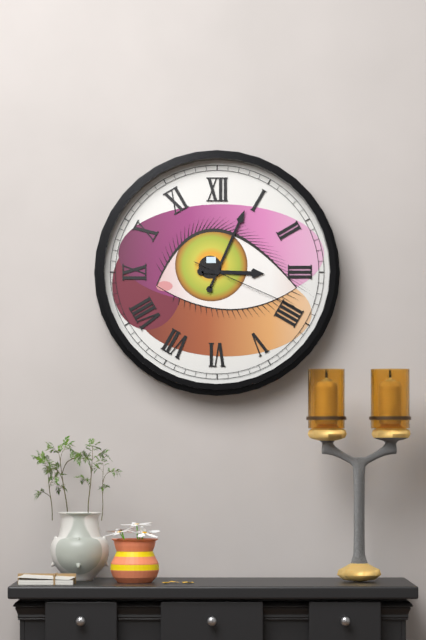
**3:04:19**
